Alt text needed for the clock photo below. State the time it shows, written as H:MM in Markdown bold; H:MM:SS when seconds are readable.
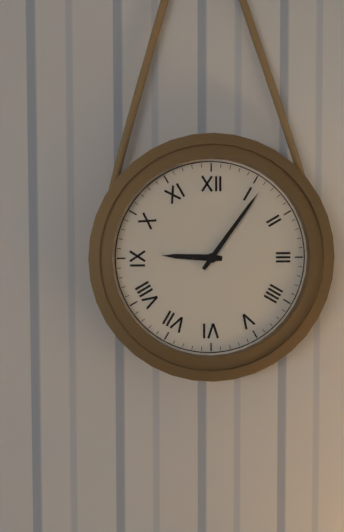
**9:06**
